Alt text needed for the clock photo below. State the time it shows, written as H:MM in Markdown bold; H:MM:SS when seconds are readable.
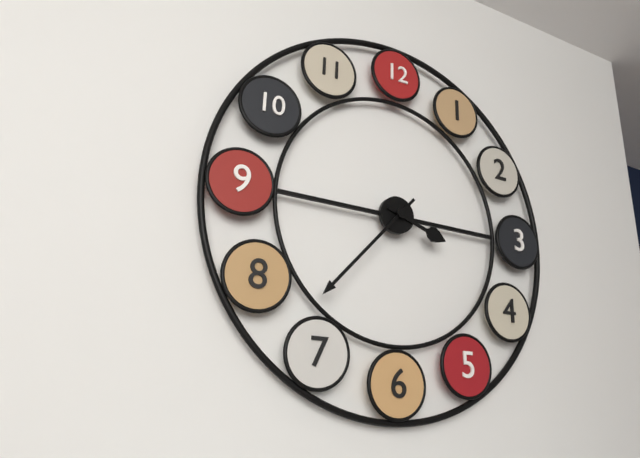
**3:37**
